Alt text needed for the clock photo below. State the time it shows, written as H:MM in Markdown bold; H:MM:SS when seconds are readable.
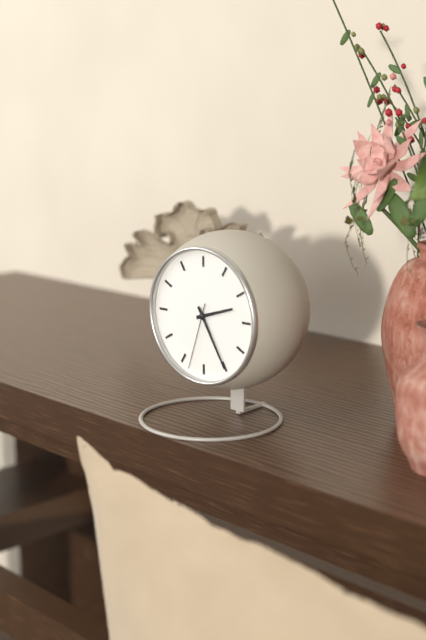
**2:25:33**
